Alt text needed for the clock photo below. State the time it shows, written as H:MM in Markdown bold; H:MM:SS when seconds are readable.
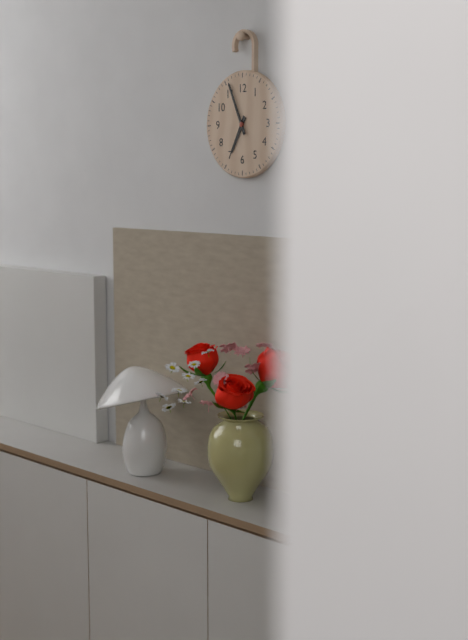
**6:56**
